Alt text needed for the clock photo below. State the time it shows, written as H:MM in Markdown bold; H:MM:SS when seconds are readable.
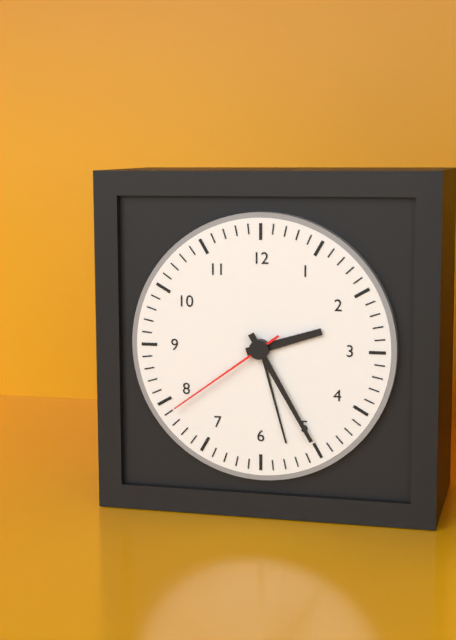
**2:25:39**
